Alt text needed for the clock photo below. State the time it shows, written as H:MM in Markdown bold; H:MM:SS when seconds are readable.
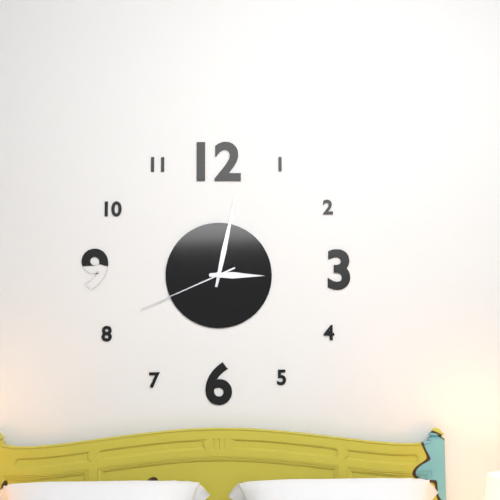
**3:02:41**
